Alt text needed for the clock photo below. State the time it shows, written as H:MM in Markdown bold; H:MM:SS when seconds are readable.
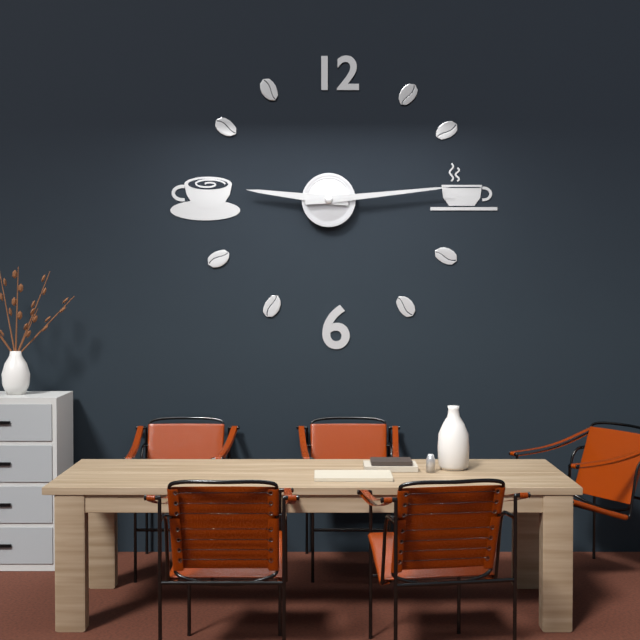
**9:14**
